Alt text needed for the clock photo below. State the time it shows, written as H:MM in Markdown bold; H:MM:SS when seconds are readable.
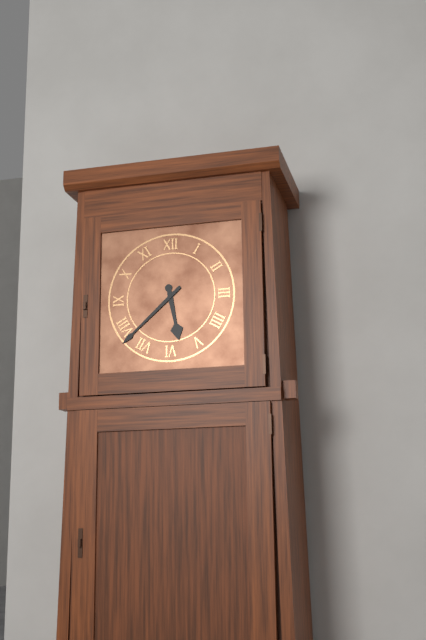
**5:38**
